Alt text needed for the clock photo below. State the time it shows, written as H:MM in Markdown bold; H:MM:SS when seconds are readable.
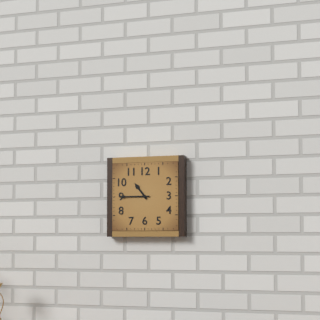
**10:45**
